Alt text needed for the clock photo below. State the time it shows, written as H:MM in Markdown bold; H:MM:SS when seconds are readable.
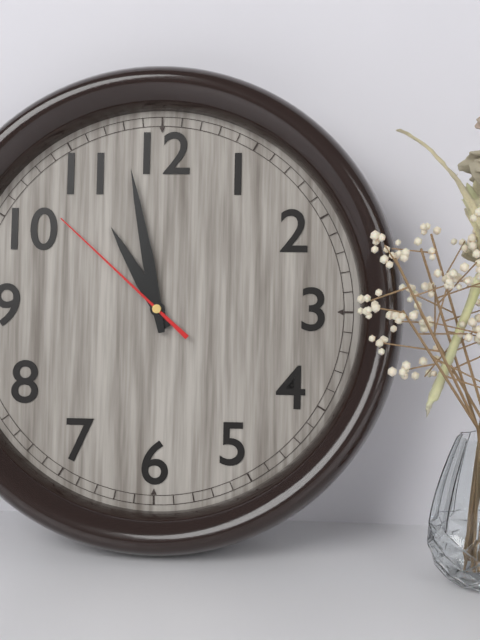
**10:58:52**
